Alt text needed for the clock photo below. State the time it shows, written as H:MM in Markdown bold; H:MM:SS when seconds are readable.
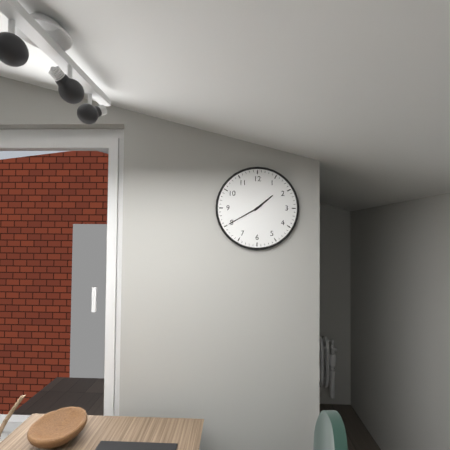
**1:40**
